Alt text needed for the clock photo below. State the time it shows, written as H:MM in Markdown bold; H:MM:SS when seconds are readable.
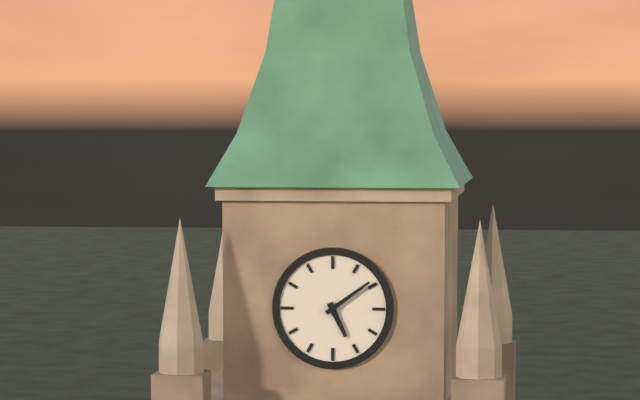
**5:09**
